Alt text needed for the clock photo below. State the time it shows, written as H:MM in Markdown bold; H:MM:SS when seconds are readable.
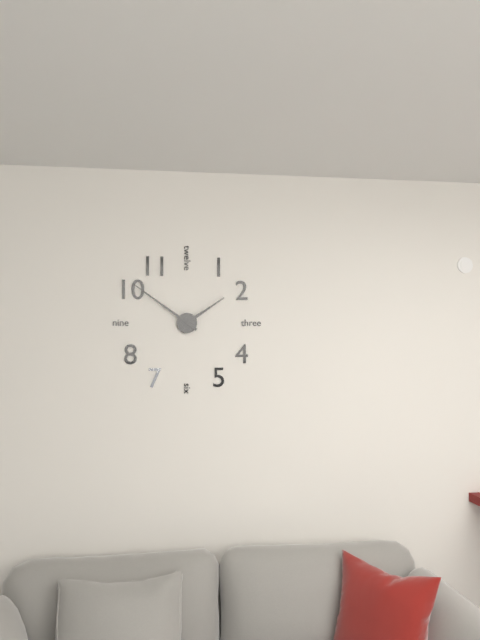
**1:51**
